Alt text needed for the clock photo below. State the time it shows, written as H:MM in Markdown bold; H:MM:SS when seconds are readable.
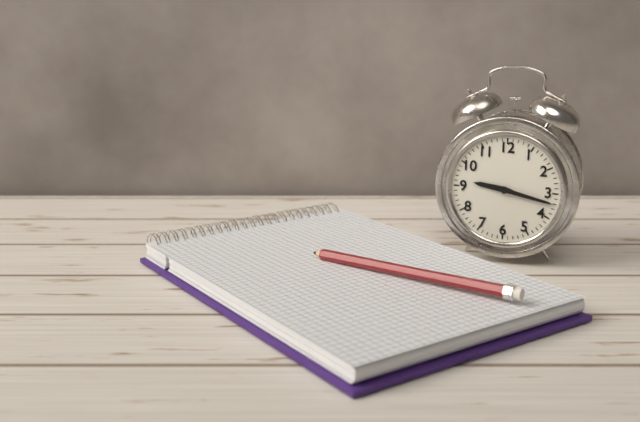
**9:17**
